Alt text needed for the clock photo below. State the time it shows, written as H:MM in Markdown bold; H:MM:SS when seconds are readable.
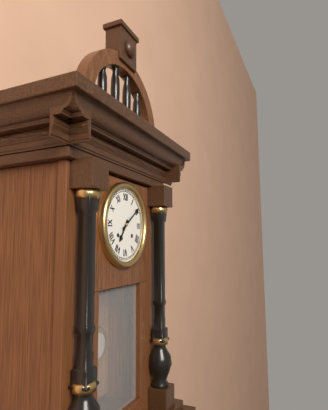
**7:09**
